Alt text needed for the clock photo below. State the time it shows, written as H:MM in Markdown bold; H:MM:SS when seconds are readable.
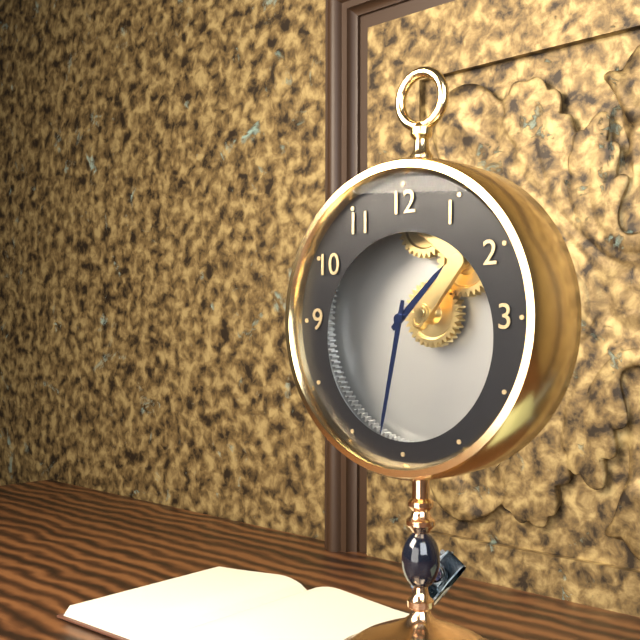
**1:32**
